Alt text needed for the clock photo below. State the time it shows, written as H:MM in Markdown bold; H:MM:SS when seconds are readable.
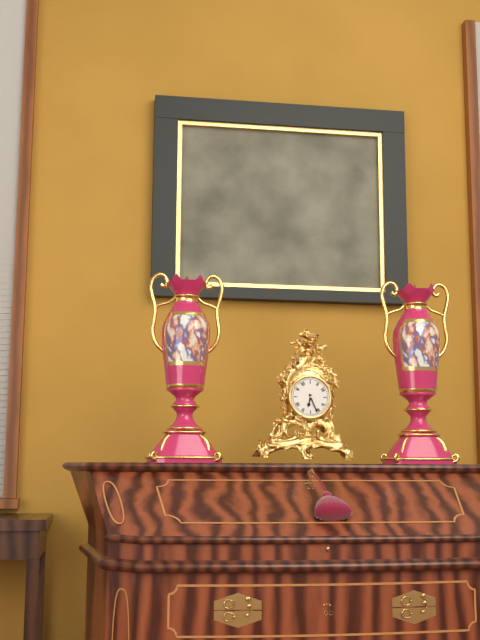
**6:26**
